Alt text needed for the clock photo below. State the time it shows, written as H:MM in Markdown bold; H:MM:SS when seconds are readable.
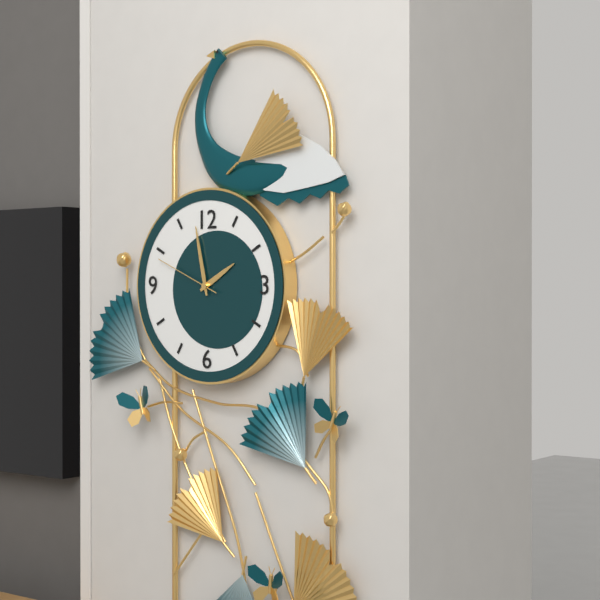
**1:58:49**
